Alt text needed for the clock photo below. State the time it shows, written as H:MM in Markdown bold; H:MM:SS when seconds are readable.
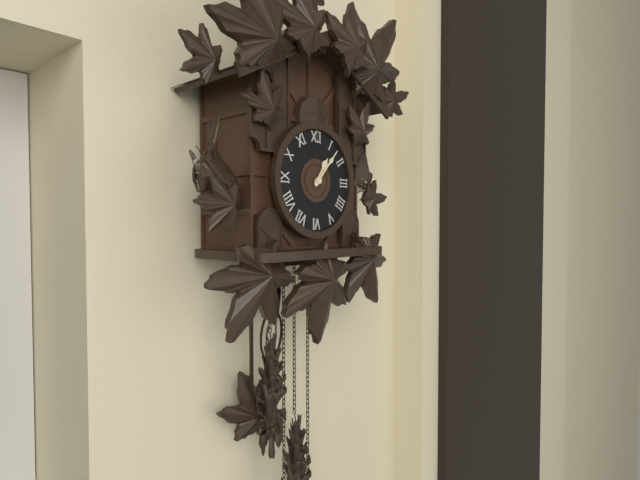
**1:07**
